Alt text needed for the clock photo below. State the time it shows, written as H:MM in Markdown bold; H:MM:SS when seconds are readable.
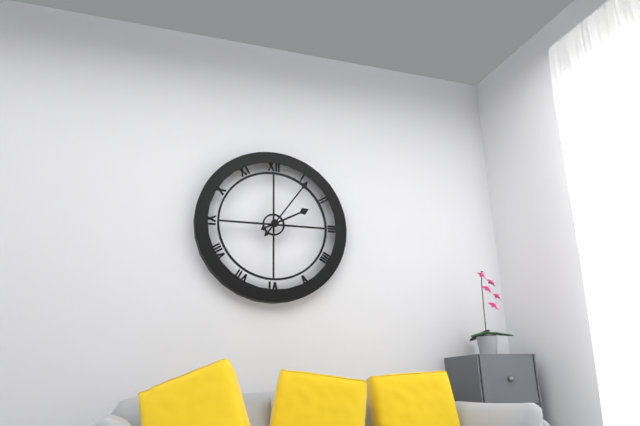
**2:06**
